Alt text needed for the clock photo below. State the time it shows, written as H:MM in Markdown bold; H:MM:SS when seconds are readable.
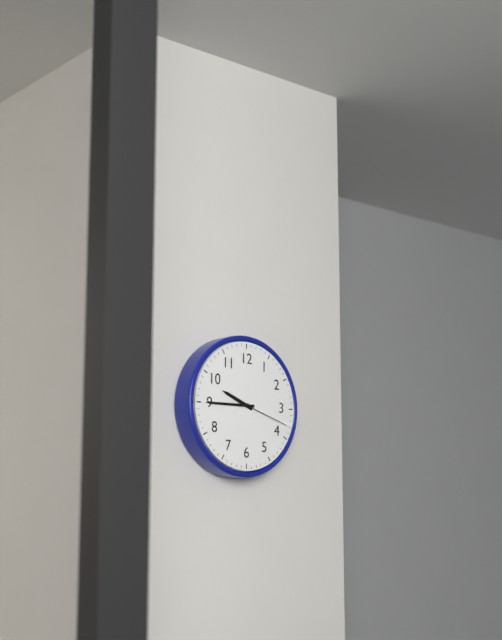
**9:45:18**
